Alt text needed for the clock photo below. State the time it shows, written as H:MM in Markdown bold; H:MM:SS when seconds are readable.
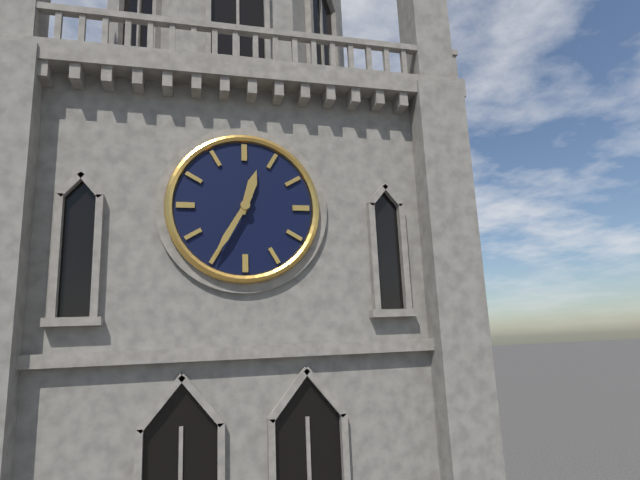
**12:35**
